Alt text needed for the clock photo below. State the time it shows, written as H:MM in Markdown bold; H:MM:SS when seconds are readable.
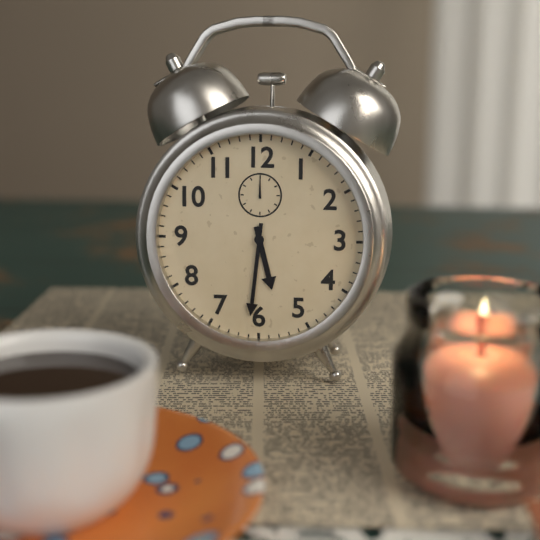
**5:31**
